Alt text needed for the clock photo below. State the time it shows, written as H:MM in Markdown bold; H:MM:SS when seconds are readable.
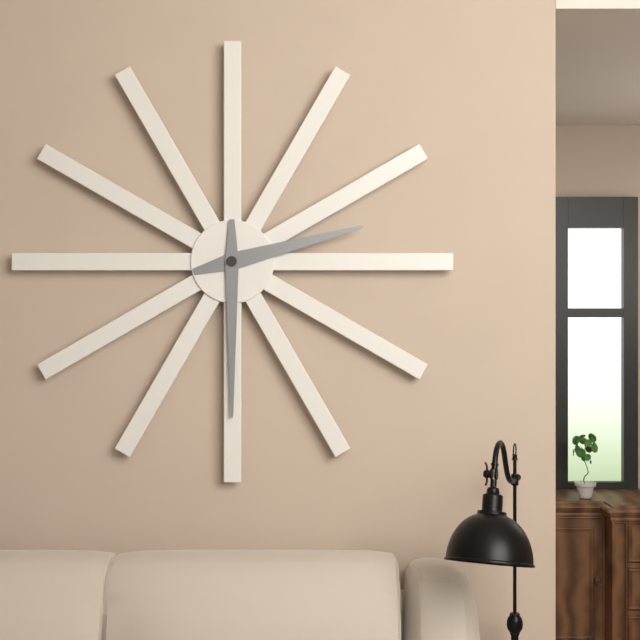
**2:30**
